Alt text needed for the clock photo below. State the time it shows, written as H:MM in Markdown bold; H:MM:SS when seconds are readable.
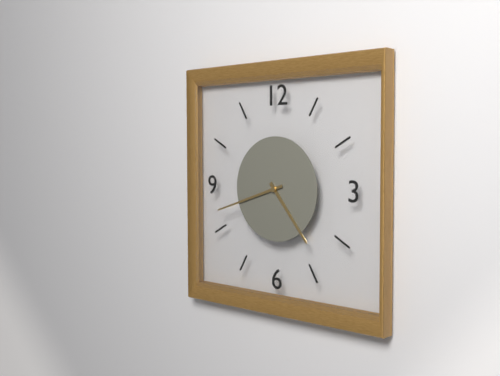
**4:42**
